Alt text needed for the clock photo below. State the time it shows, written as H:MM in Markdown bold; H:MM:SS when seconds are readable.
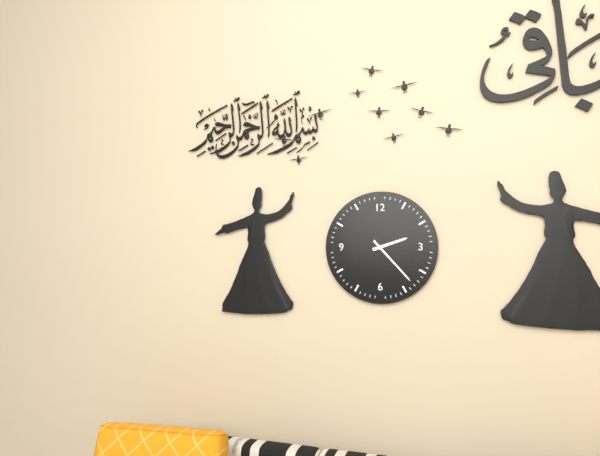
**2:23**
